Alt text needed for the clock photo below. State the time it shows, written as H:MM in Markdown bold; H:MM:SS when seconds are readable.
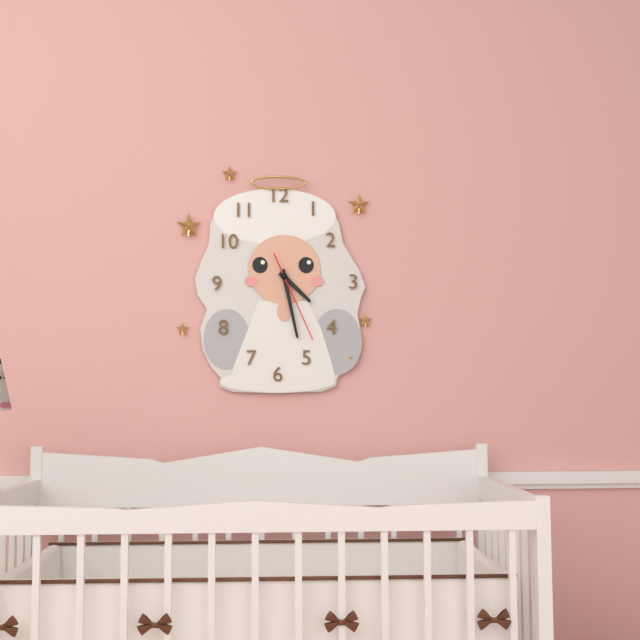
**4:28:26**
